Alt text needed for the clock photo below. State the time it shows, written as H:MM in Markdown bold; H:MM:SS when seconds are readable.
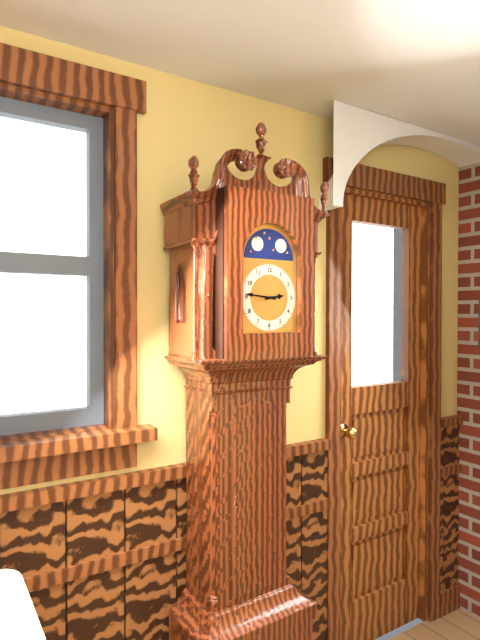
**2:46**
